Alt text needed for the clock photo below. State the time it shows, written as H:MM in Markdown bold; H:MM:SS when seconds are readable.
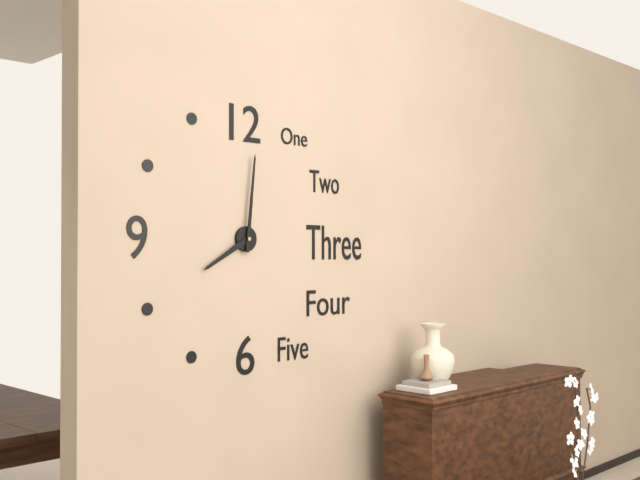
**8:01**
